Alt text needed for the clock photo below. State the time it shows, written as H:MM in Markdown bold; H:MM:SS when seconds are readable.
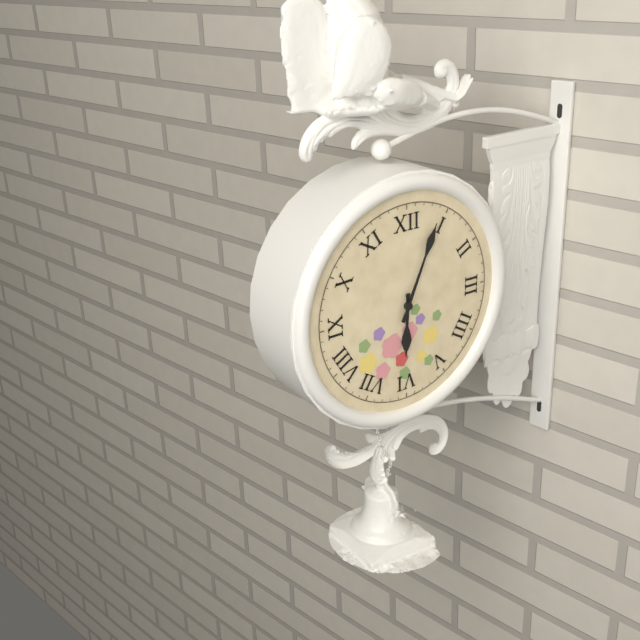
**6:04**
